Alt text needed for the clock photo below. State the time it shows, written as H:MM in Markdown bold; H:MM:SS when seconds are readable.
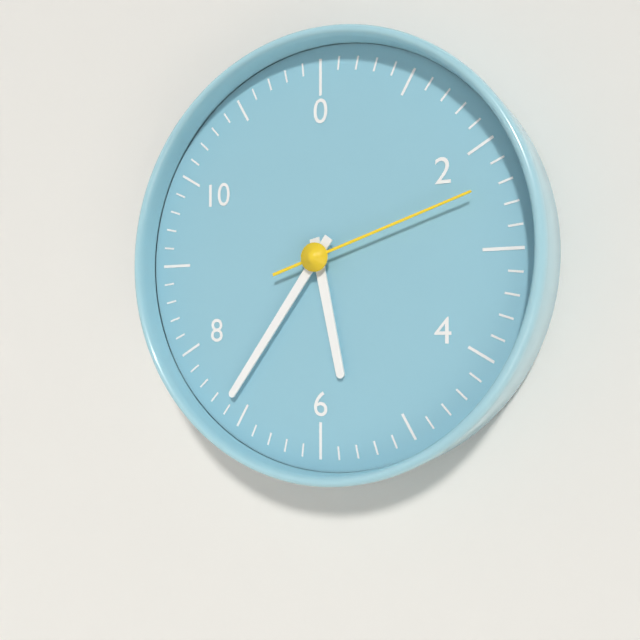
**5:36:12**
